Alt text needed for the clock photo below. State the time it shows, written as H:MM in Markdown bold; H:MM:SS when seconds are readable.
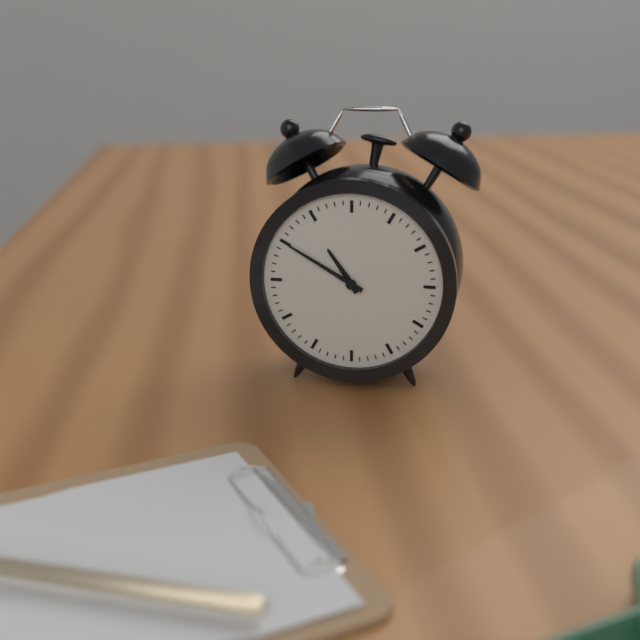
**10:50**
